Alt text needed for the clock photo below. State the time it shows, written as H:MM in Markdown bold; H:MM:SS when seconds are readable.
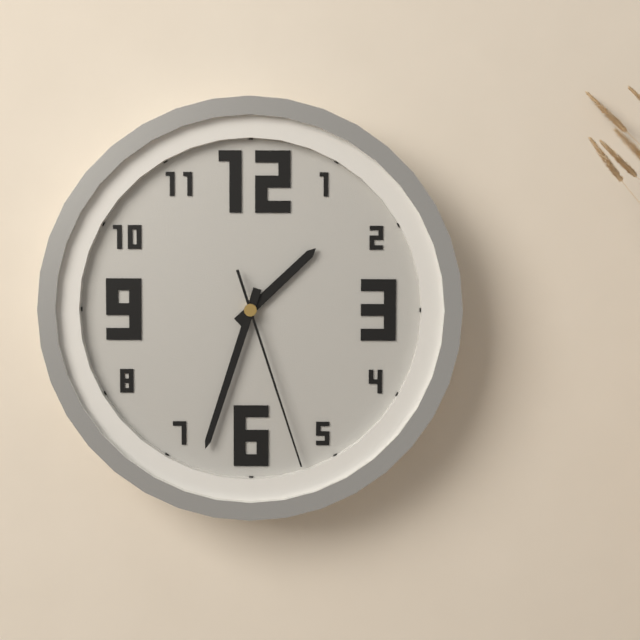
**1:33:27**
